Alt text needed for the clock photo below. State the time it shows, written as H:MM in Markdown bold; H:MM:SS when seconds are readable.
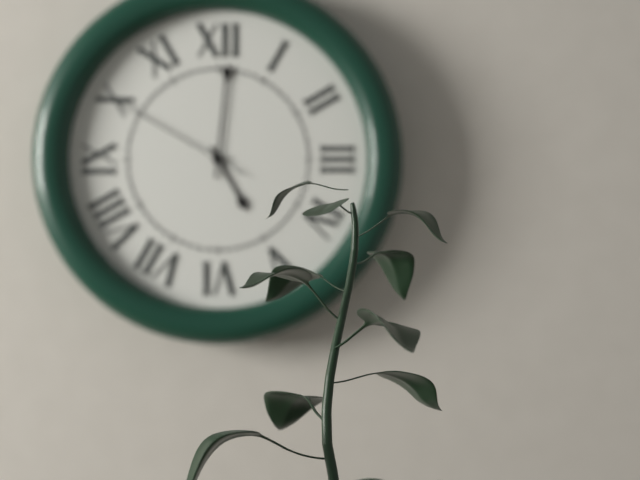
**5:01:50**
